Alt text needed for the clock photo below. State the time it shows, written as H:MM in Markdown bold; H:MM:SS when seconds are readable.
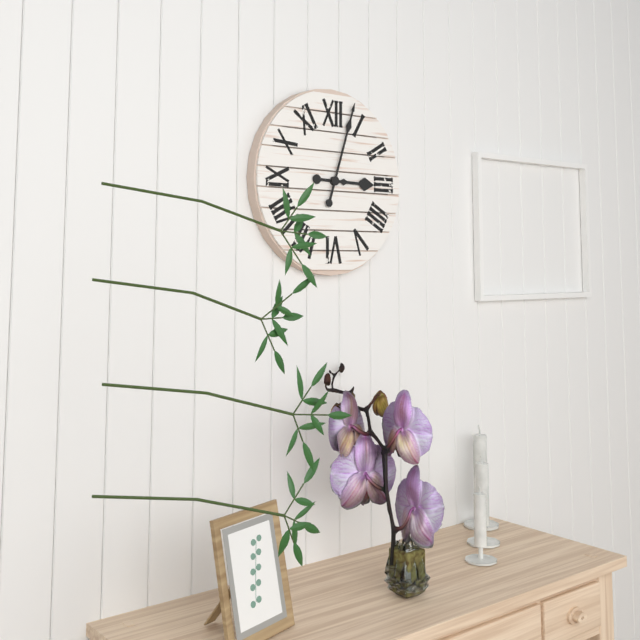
**3:03**
